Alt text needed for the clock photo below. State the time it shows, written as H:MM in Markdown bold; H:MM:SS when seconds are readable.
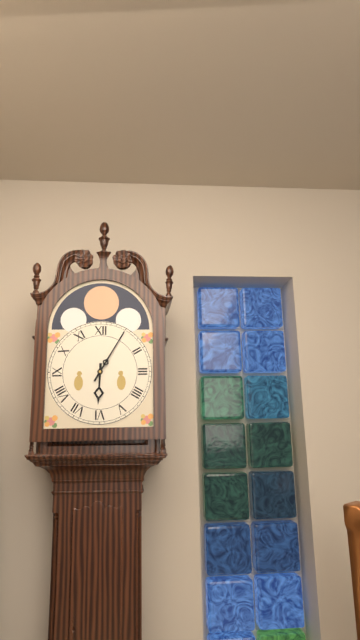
**6:05**
